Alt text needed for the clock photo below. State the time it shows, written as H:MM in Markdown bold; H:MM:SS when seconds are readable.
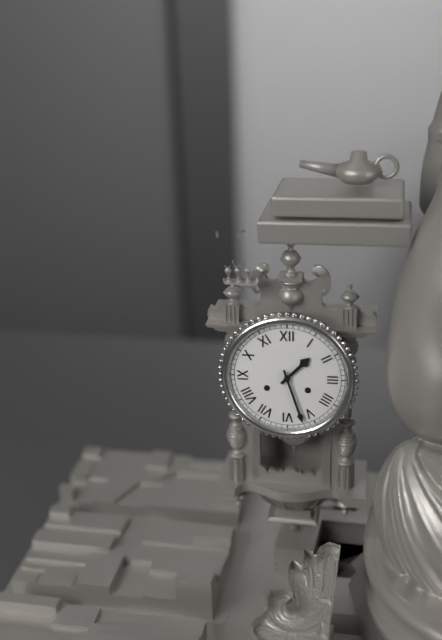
**1:27**
